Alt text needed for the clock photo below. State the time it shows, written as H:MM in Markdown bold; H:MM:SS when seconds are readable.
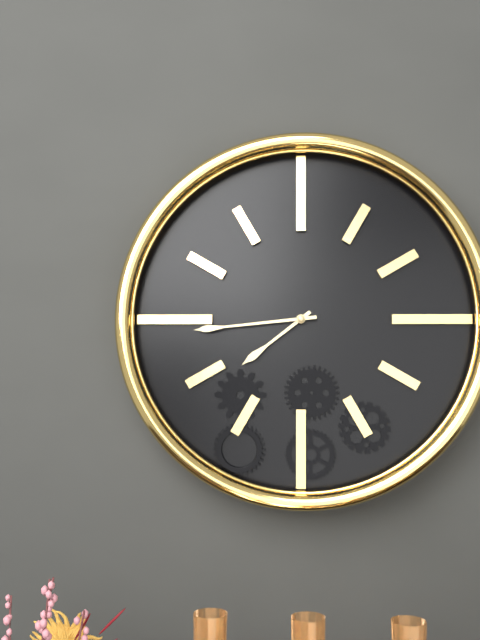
**7:44**
